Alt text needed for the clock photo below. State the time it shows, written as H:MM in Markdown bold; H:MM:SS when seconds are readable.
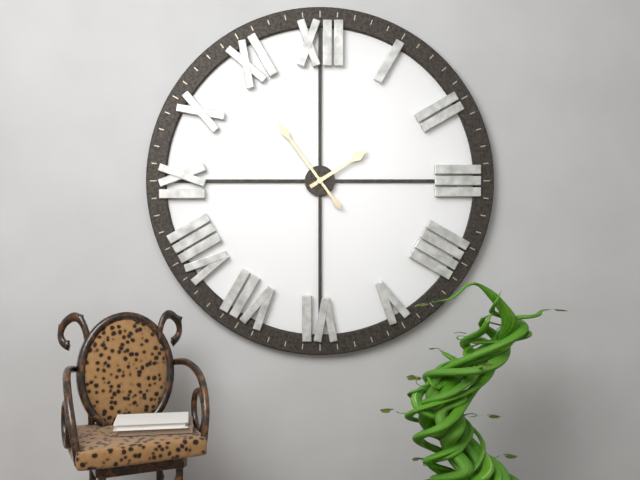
**1:54**
